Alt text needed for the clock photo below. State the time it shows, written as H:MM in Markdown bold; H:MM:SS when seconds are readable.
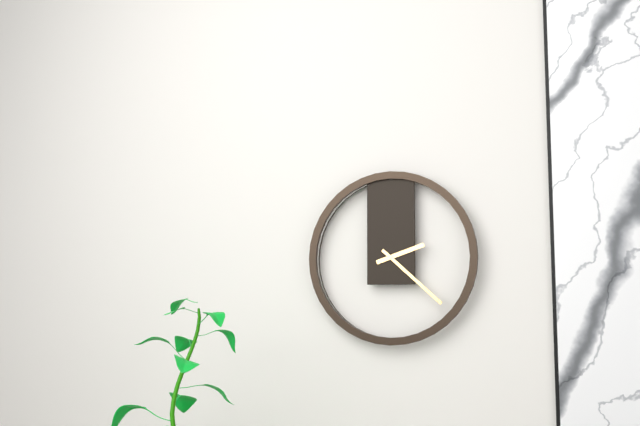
**2:22**
